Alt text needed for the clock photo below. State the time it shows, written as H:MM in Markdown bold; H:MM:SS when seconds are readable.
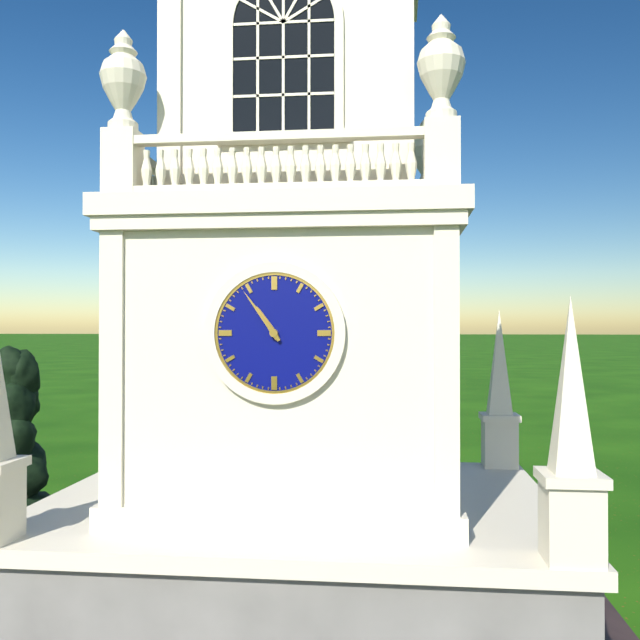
**10:54**
